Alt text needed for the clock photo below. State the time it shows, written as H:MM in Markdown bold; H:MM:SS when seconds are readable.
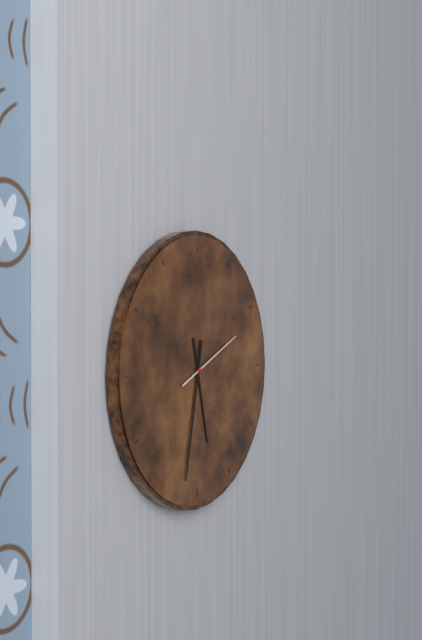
**5:32:11**
